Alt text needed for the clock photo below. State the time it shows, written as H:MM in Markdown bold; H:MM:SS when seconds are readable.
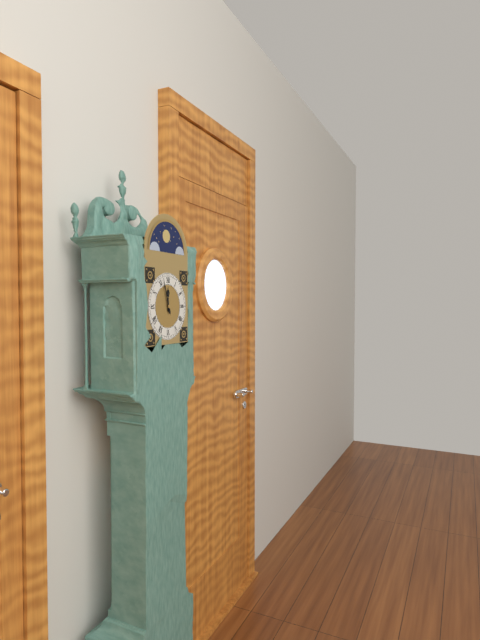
**11:57**
